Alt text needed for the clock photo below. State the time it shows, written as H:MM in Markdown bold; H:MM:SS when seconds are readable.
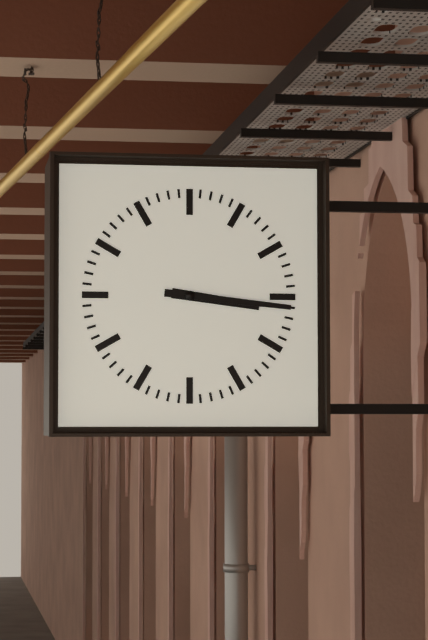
**3:16**
